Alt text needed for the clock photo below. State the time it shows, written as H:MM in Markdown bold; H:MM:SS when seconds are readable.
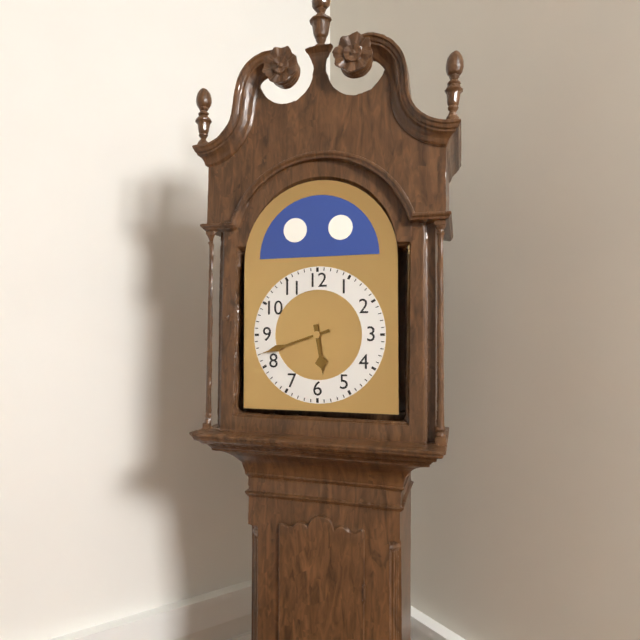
**5:42**
